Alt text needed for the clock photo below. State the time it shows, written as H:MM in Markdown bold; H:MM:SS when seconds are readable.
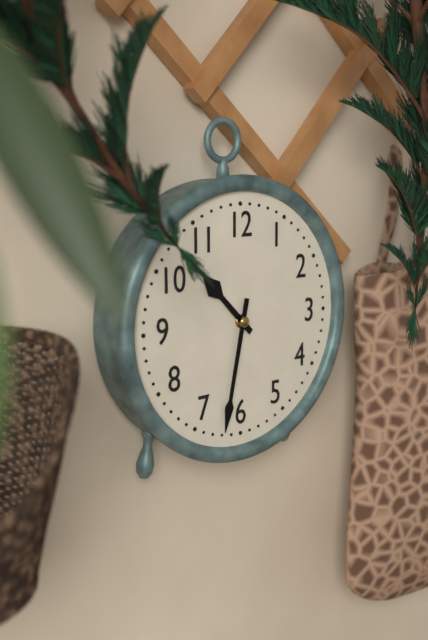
**10:32**
